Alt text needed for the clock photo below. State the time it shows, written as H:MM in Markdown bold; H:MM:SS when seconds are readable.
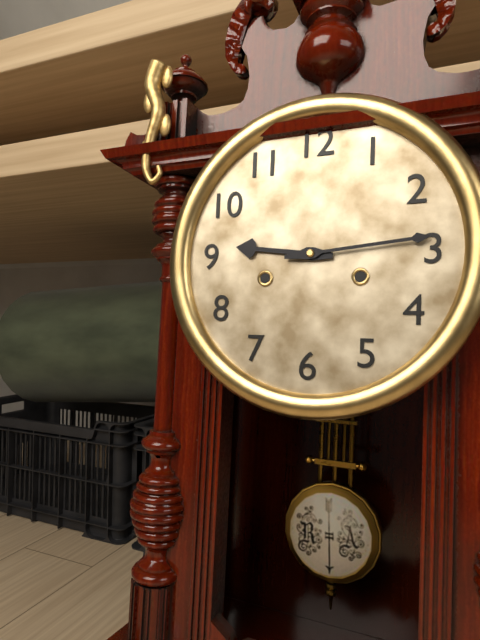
**9:14**
